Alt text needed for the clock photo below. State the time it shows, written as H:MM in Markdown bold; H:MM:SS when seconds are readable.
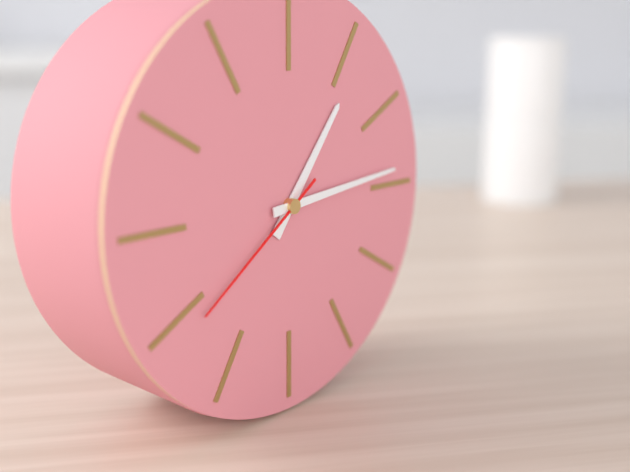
**1:14:39**
